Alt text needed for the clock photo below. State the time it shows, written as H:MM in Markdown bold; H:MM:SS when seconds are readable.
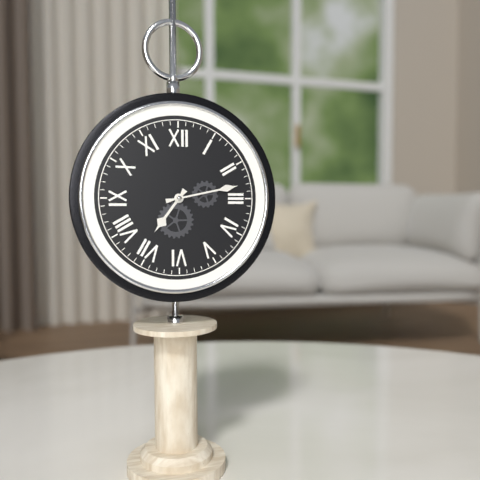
**7:13**
